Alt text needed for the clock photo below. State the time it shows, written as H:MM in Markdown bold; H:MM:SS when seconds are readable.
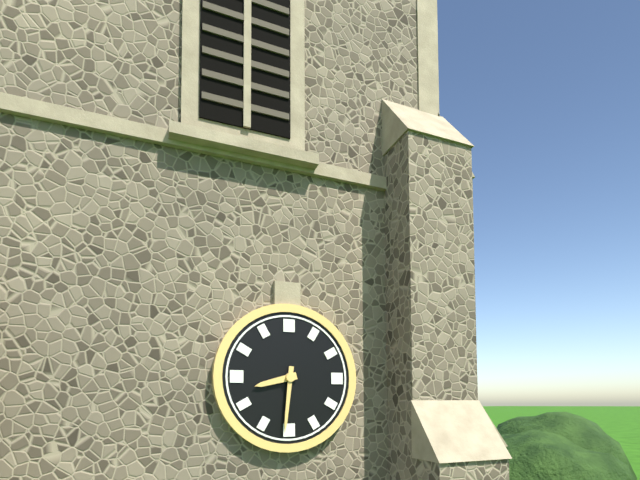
**8:31**
